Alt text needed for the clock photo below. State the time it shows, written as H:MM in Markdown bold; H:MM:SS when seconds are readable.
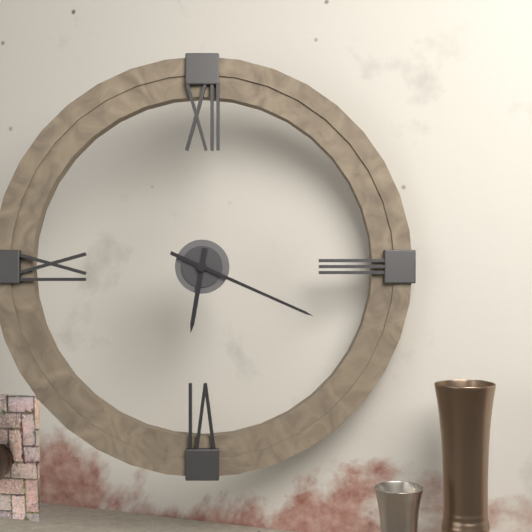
**6:19**
